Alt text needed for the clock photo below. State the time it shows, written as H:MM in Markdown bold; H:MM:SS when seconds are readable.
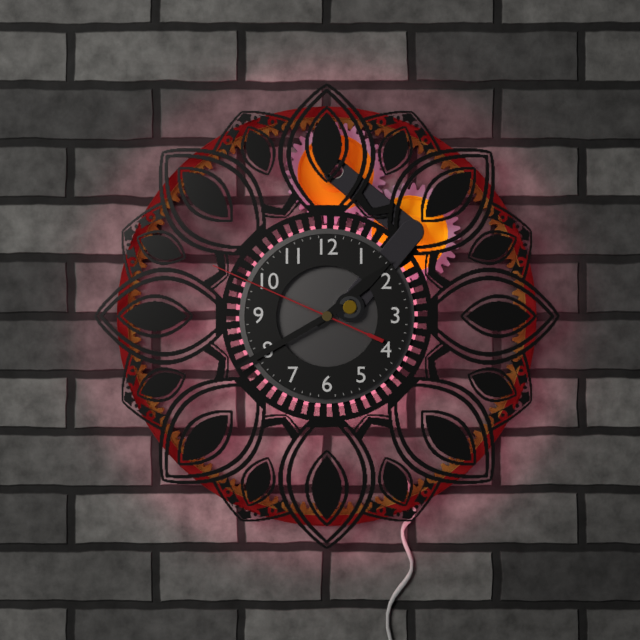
**1:40:49**
